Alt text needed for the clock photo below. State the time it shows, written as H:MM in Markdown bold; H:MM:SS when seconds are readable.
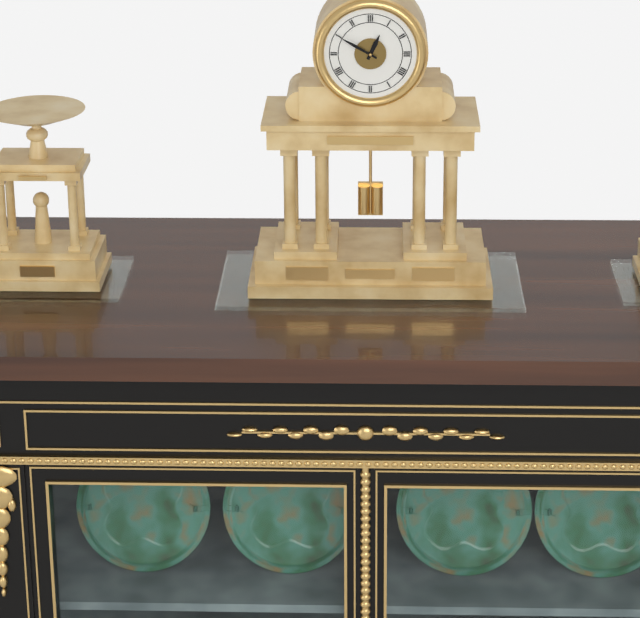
**12:50**
